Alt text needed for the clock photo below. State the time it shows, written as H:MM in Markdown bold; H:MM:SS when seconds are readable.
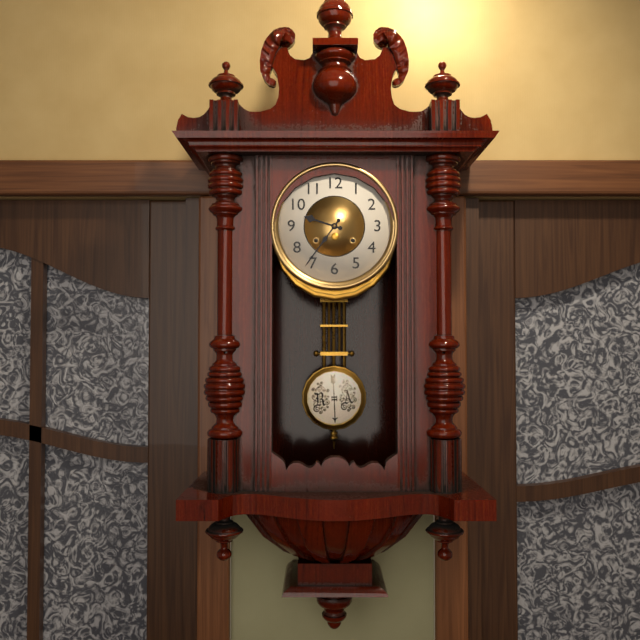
**9:36**
